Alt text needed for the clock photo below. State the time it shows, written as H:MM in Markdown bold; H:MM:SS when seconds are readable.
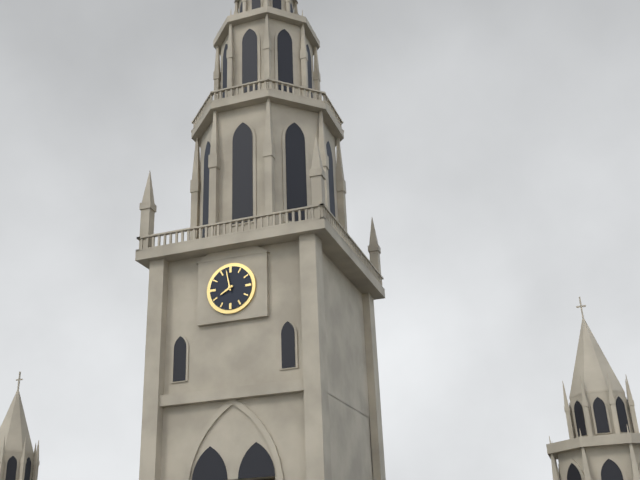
**7:58**
